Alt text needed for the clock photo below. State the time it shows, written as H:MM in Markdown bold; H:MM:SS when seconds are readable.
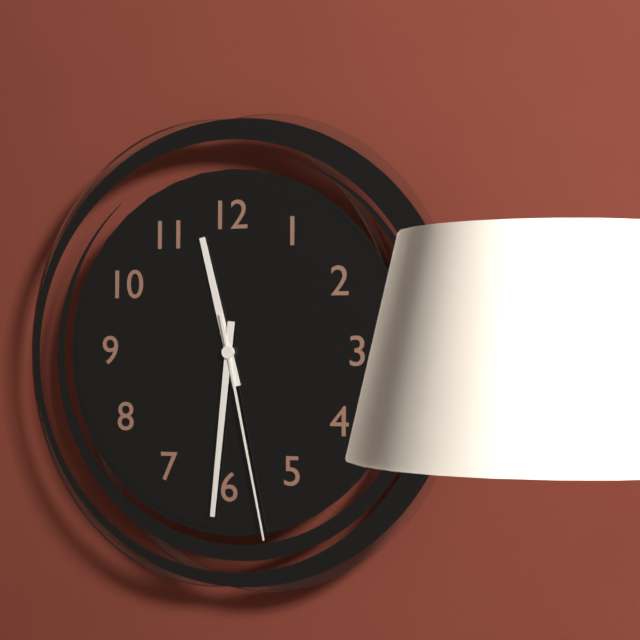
**11:31:28**
